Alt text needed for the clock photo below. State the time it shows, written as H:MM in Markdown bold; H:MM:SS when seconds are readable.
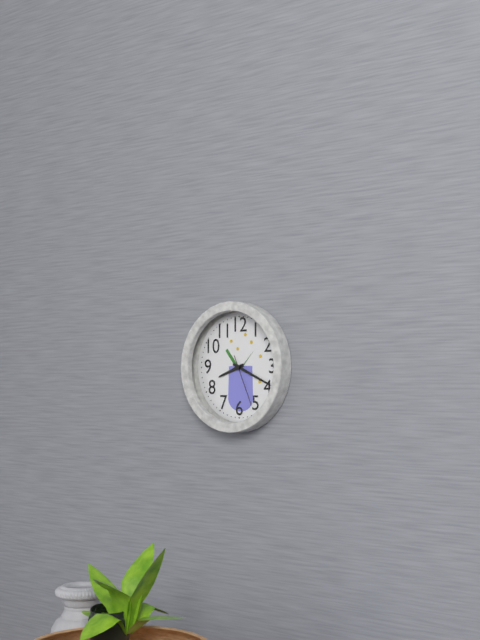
**8:19:26**
